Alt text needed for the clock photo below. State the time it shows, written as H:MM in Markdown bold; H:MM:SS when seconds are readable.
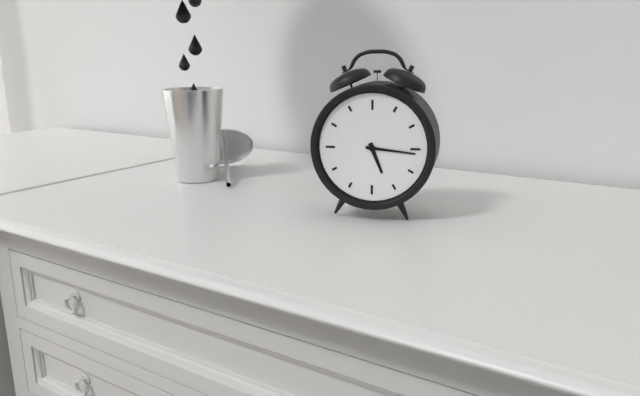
**5:16**
